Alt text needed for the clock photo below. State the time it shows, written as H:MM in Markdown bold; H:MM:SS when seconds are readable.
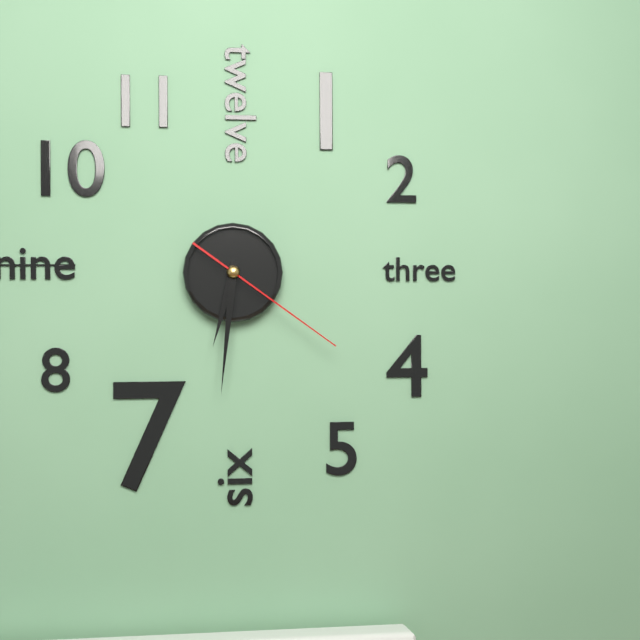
**6:31:21**
